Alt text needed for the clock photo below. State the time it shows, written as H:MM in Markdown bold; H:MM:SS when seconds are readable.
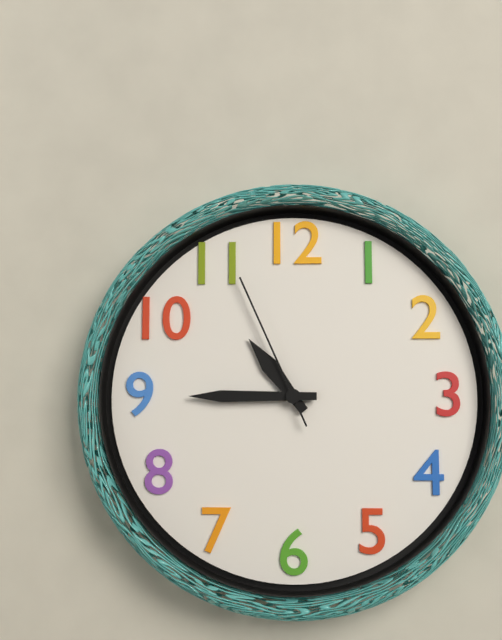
**10:45:56**
